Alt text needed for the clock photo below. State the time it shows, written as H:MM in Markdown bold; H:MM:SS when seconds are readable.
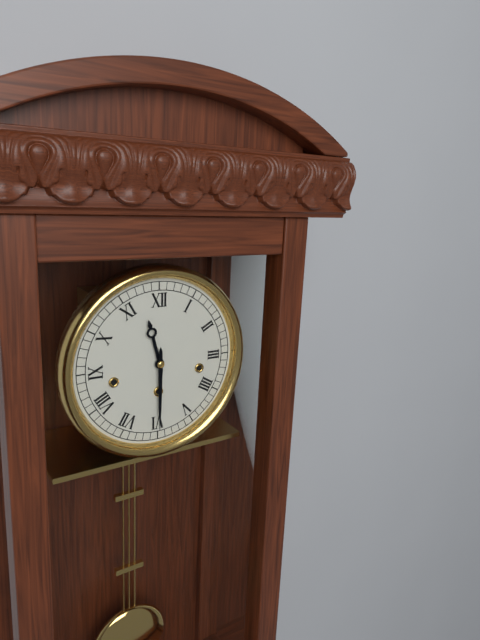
**11:30**
